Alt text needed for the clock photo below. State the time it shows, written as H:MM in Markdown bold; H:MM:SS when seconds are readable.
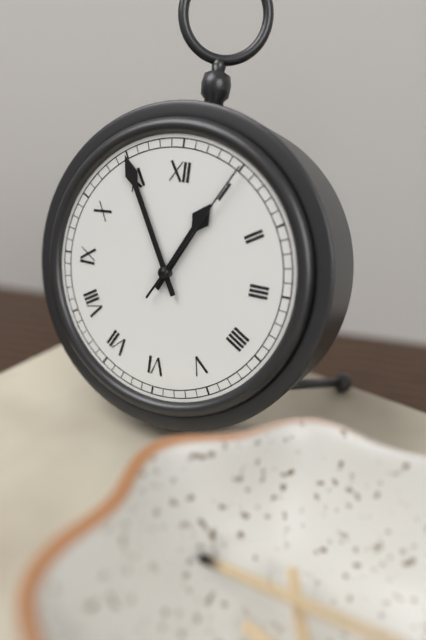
**12:55:05**
